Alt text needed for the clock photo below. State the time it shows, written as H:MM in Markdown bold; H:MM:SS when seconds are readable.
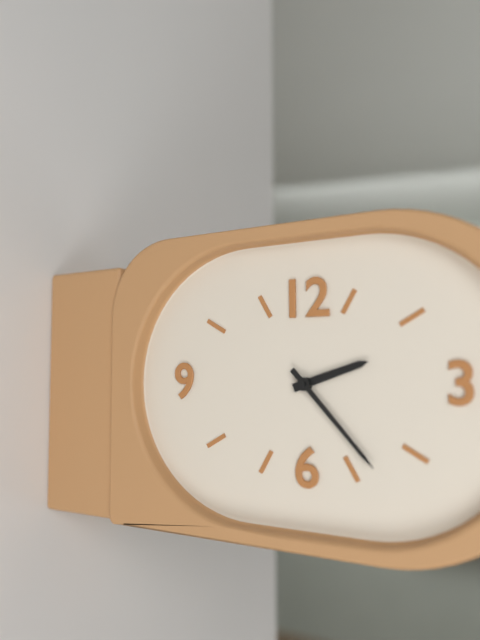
**2:23**
